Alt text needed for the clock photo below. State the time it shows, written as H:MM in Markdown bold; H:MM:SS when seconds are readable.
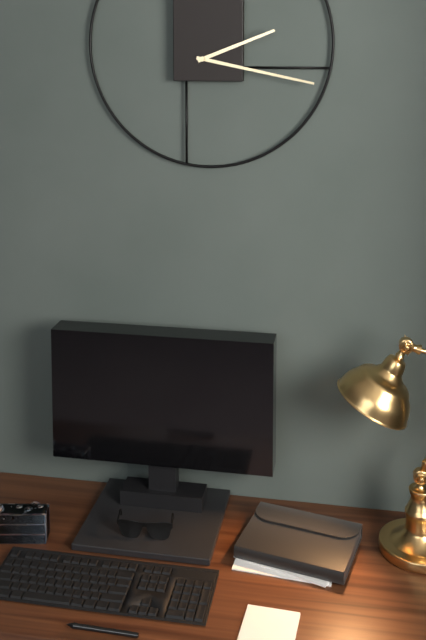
**2:17**
